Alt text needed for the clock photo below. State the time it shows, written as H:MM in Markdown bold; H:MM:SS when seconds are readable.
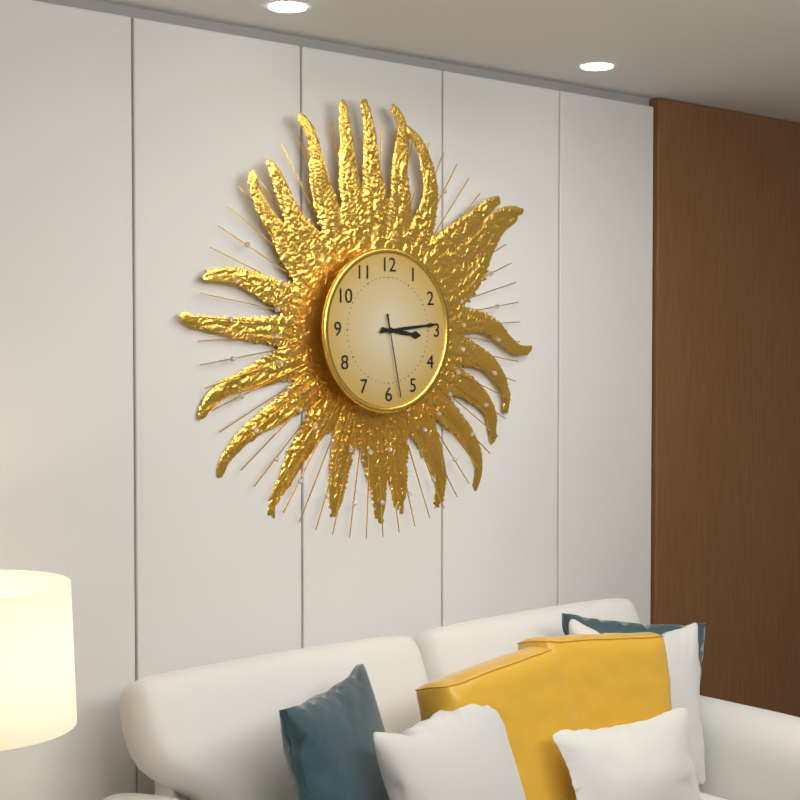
**3:14:28**
